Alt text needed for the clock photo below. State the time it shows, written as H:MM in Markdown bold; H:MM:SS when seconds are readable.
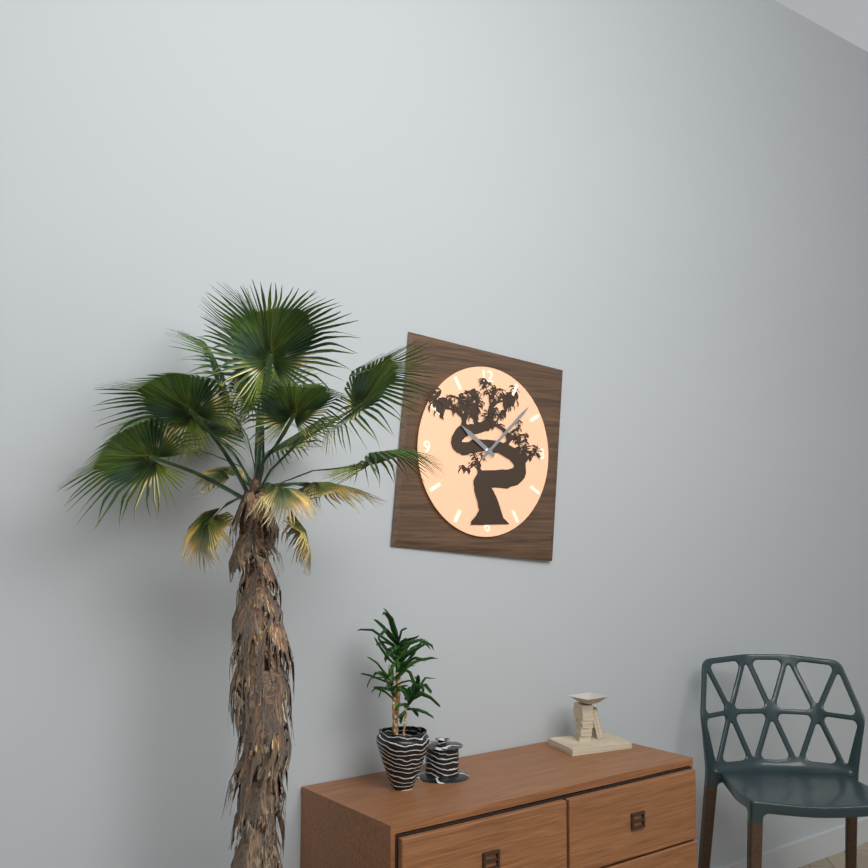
**10:08**
